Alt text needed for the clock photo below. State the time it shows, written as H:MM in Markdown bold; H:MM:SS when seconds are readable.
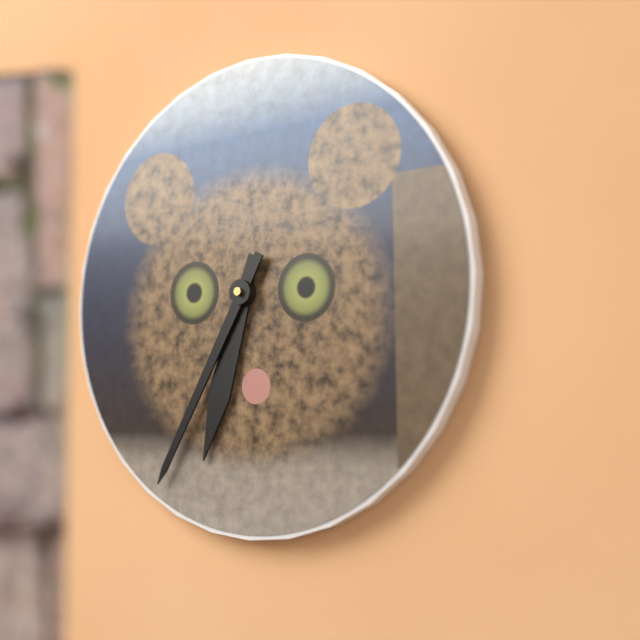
**6:35**
